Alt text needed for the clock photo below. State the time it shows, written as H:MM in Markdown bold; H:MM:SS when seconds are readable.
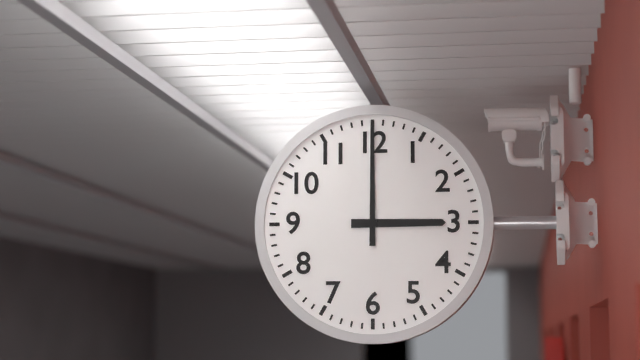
**3:00**
